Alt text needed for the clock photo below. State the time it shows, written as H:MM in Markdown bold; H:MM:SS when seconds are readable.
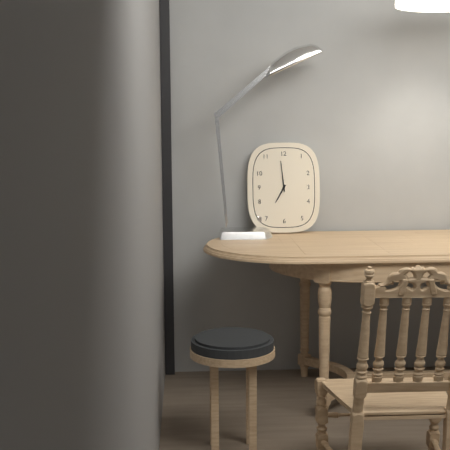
**6:59**
